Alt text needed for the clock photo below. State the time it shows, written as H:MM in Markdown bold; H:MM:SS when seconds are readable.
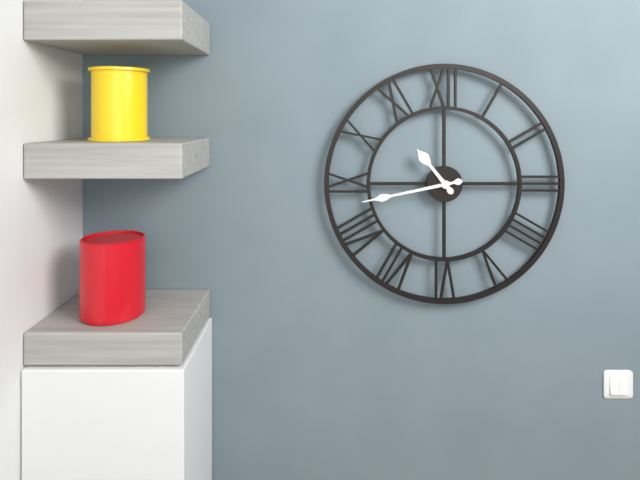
**10:43**
